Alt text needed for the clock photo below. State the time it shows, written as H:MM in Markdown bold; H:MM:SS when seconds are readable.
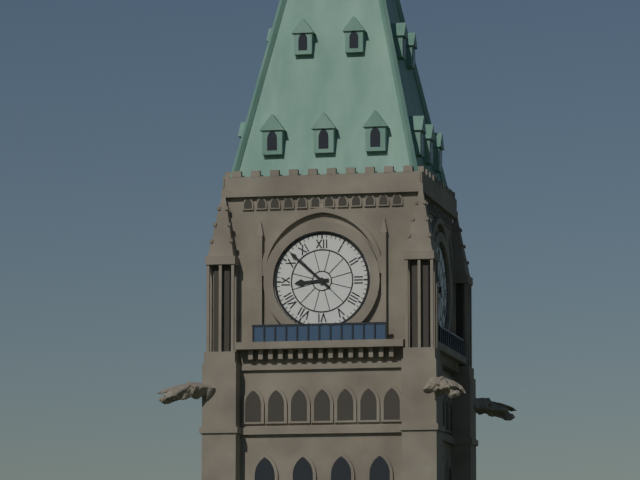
**8:52**
